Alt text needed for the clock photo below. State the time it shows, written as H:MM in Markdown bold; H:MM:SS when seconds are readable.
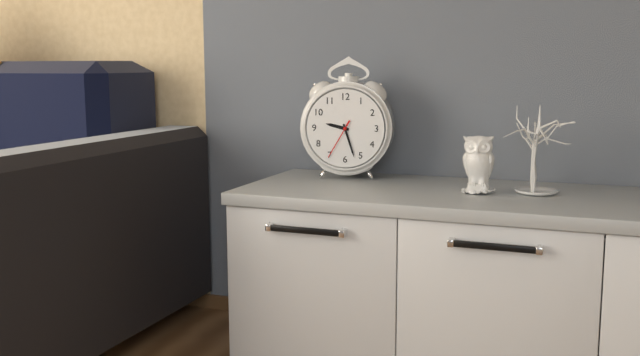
**9:27**
